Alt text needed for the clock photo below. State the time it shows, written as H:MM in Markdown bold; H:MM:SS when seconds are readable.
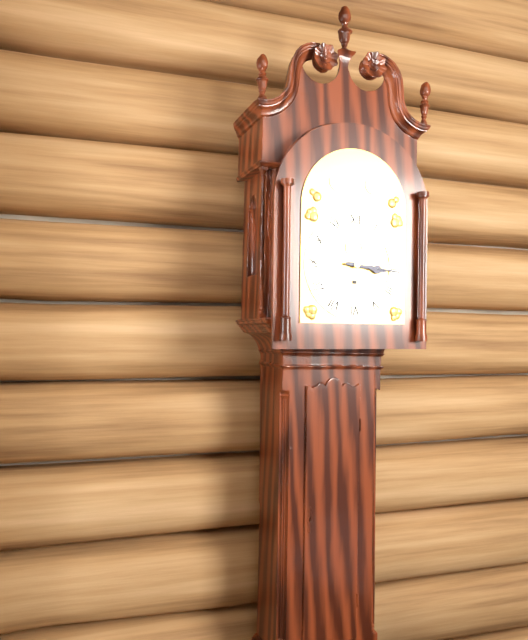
**3:16**
